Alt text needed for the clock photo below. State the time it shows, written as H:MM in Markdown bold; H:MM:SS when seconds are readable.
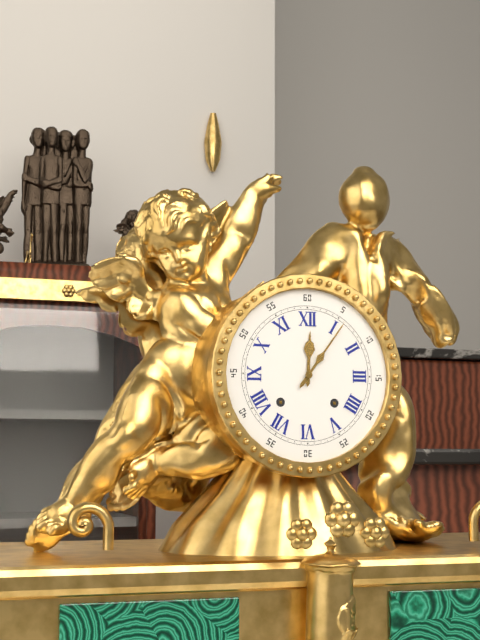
**12:06**
